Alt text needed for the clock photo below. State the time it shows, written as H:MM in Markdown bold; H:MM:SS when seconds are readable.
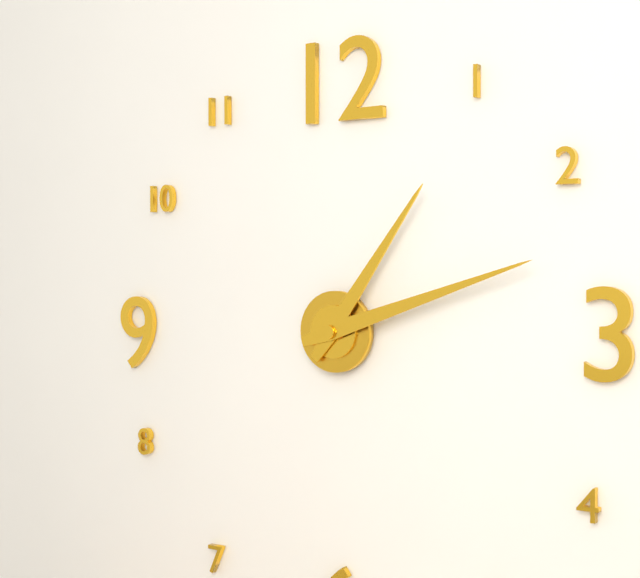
**1:12**
